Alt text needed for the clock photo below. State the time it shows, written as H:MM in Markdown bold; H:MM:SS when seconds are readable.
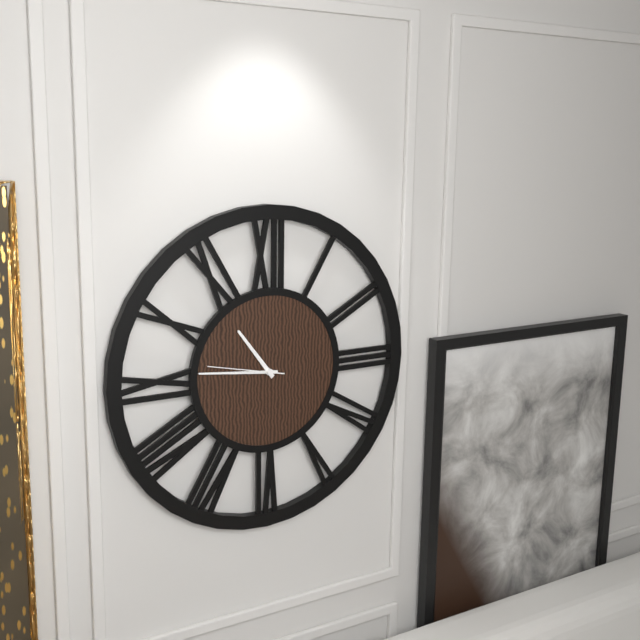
**10:46:47**
